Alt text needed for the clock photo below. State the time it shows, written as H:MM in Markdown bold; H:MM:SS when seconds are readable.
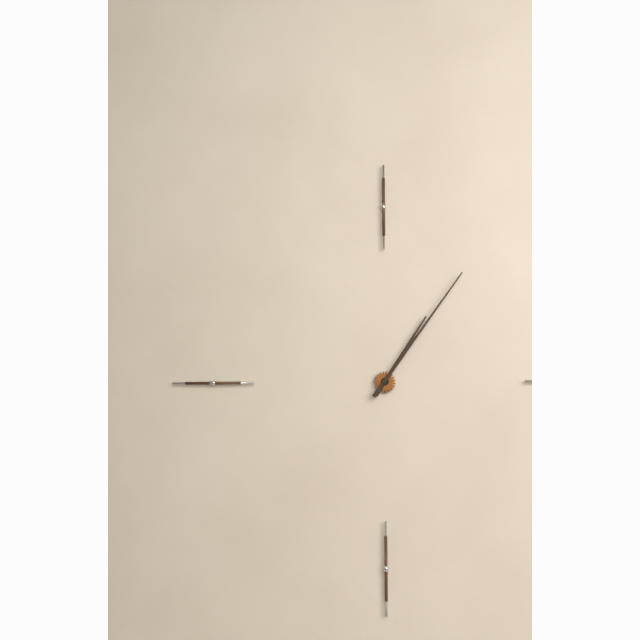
**1:06**
